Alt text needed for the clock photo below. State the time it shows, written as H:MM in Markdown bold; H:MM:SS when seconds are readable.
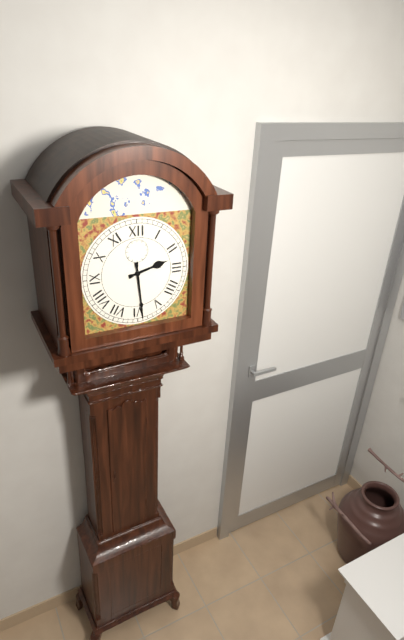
**2:29**
